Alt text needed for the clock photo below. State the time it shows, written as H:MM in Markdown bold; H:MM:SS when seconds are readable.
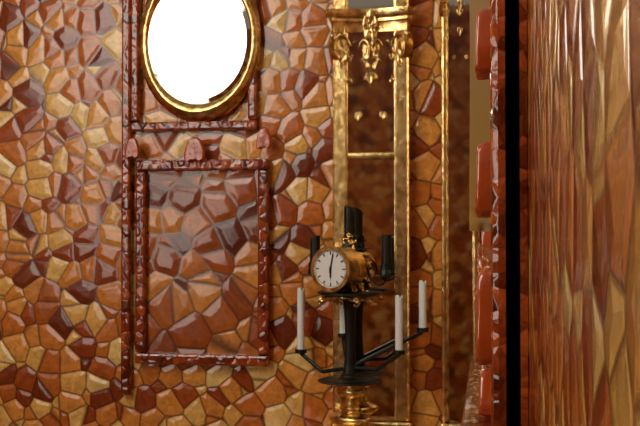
**6:02**
